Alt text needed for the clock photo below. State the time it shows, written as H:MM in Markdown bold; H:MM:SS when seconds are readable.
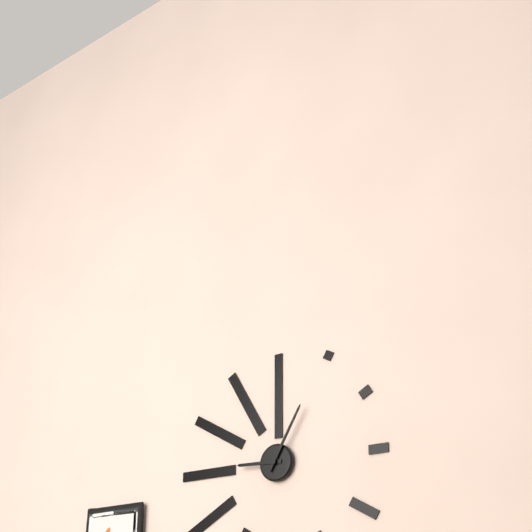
**9:05**
